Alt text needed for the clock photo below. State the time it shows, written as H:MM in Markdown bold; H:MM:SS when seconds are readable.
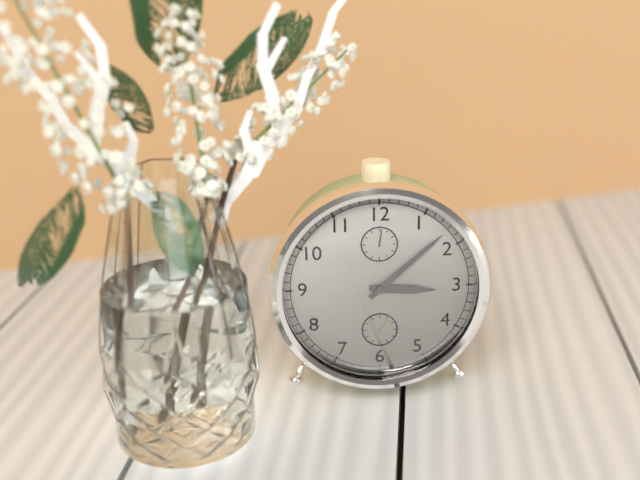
**3:08**
